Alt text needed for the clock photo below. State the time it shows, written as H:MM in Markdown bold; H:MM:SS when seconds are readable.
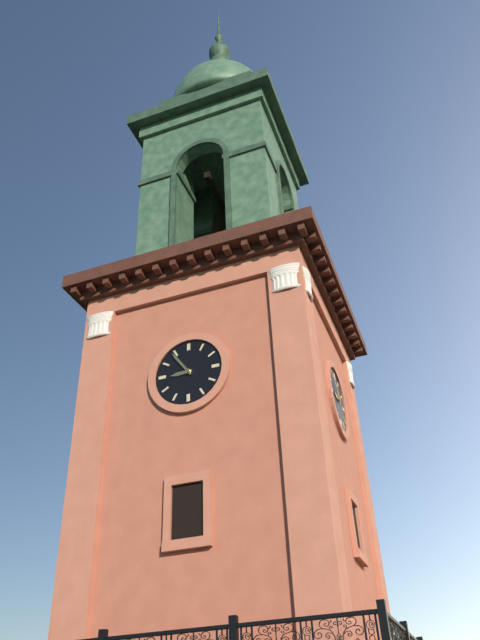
**8:54**
